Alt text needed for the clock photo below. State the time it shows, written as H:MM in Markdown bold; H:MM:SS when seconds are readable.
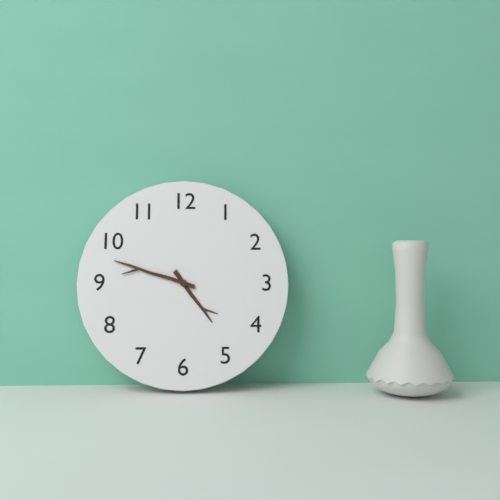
**4:48**
